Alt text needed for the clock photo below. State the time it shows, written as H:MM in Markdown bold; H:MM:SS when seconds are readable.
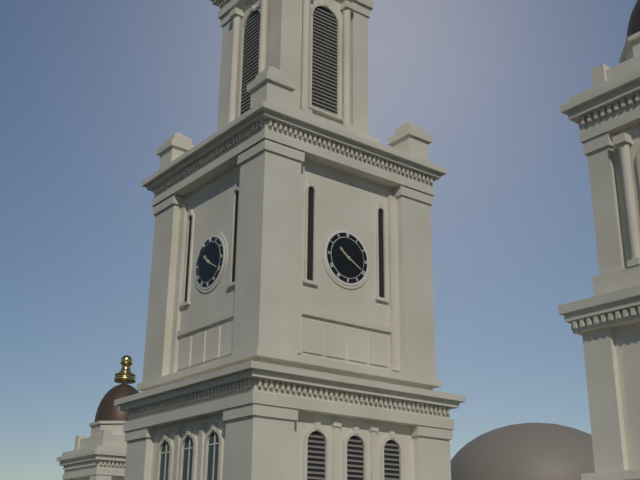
**10:20**
